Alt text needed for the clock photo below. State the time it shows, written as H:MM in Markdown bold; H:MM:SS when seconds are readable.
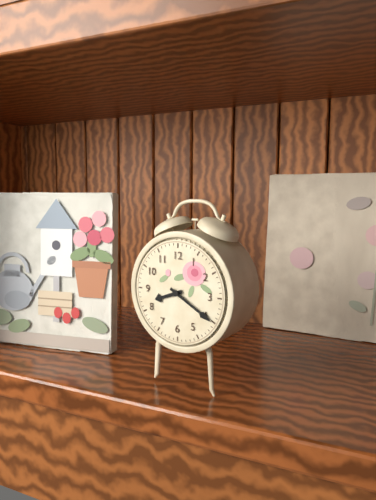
**8:20**
